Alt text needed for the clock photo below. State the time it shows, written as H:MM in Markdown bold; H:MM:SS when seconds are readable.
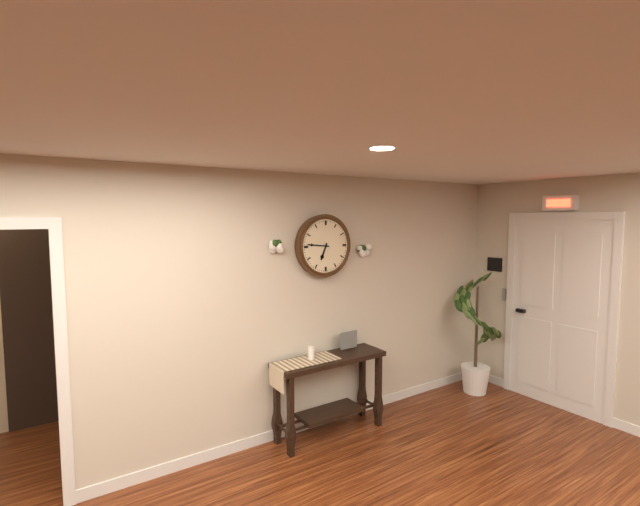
**6:46**
